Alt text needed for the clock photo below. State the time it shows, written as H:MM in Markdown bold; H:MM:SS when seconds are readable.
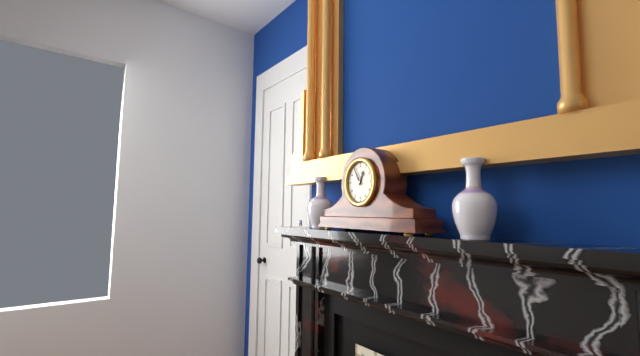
**12:55**
